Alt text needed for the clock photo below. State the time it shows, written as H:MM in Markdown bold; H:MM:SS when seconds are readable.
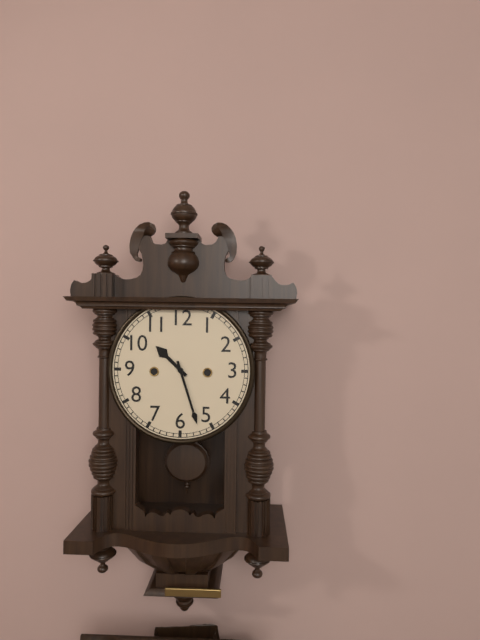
**10:27**
